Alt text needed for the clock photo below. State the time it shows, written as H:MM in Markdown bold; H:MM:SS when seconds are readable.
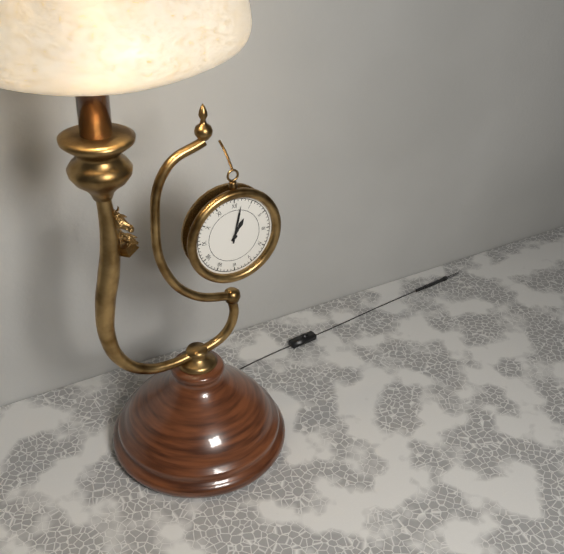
**1:02**
